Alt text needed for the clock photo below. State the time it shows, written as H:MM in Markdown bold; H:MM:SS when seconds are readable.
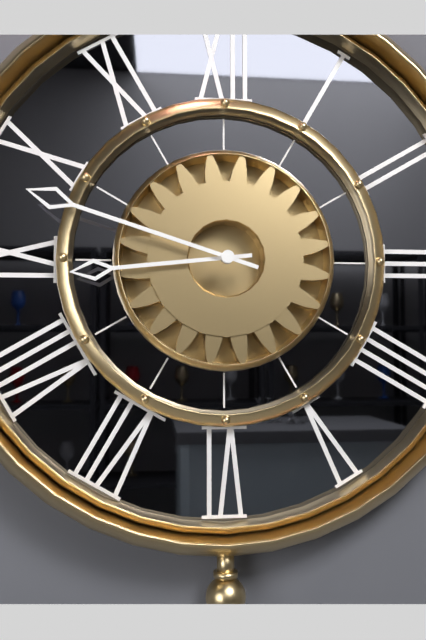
**8:48**
